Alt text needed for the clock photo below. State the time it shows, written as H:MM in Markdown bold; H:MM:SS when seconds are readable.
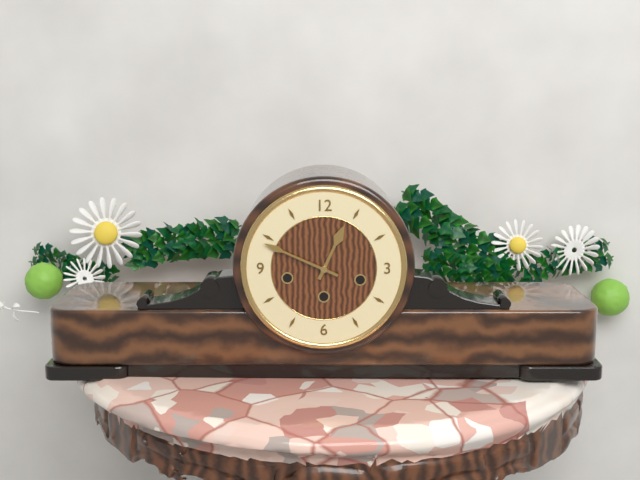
**12:49**
